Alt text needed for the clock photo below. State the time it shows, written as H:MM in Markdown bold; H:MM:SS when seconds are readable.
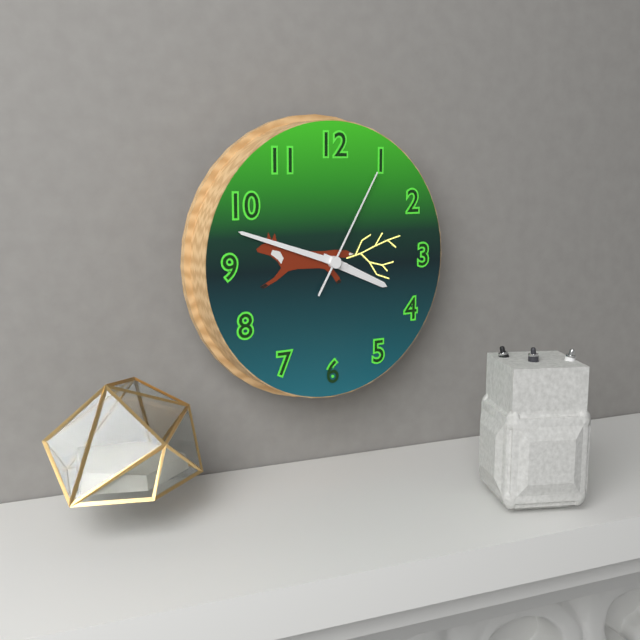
**3:48:05**
